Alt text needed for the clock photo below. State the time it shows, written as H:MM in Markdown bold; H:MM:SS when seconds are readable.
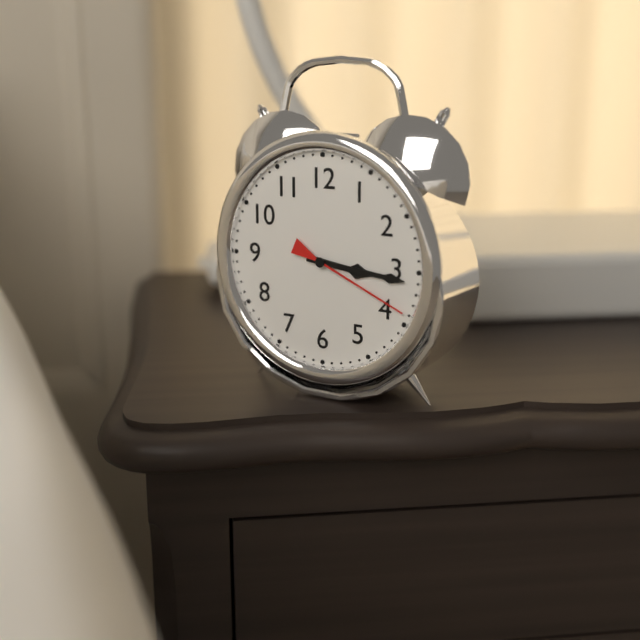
**3:16:19**
